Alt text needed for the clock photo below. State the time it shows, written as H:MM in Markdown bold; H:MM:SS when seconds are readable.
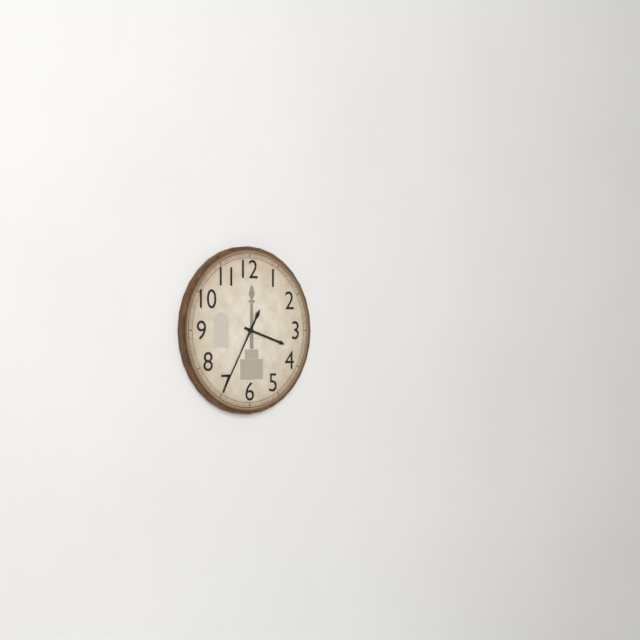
**3:35**
